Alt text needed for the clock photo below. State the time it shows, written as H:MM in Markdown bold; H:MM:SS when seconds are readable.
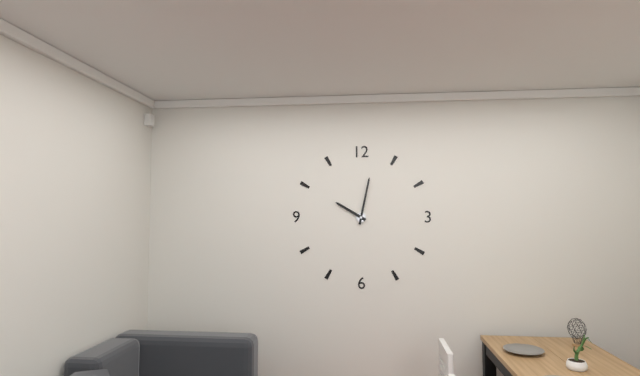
**10:02**
